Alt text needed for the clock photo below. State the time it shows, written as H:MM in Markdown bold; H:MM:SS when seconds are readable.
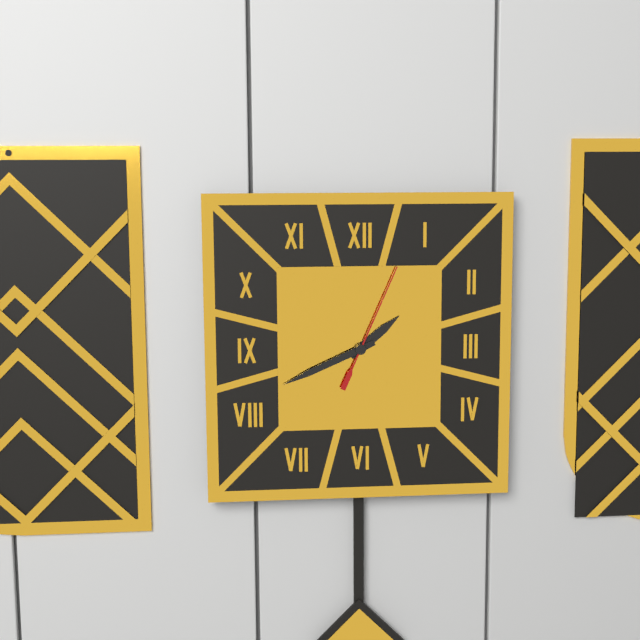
**1:41:04**
